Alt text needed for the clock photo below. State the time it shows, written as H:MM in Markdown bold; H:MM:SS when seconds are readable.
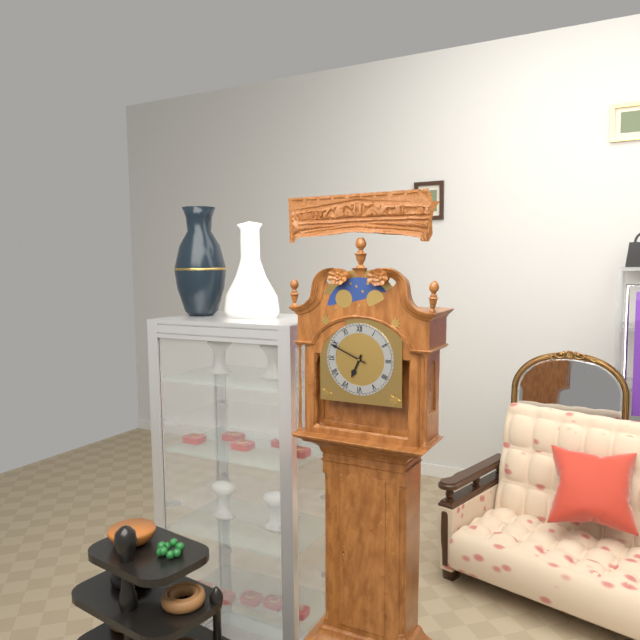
**6:49**
